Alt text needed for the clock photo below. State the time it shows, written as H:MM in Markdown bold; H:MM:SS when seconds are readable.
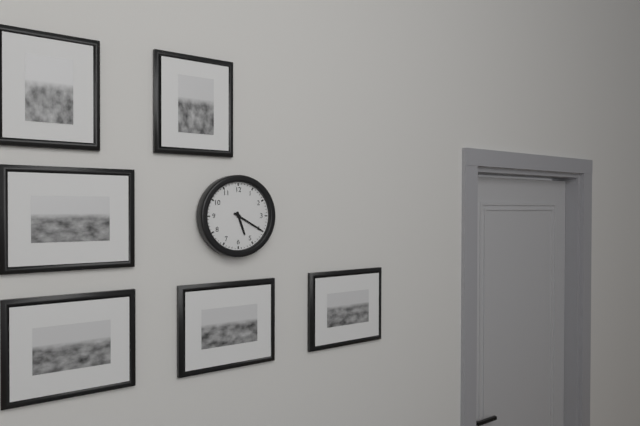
**5:20**
